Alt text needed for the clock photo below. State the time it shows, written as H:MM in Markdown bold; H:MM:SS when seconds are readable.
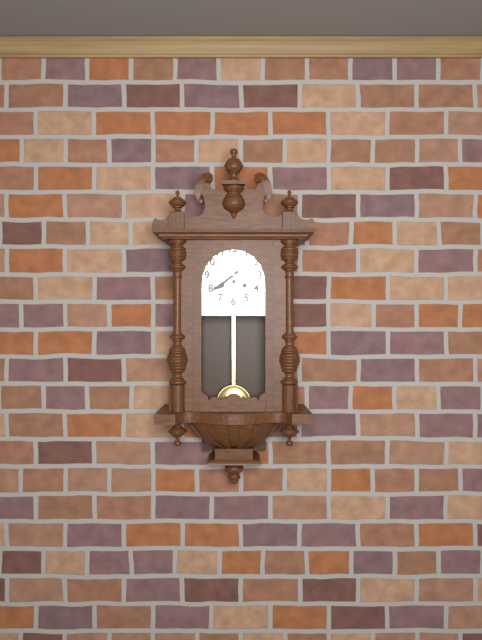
**7:39**
